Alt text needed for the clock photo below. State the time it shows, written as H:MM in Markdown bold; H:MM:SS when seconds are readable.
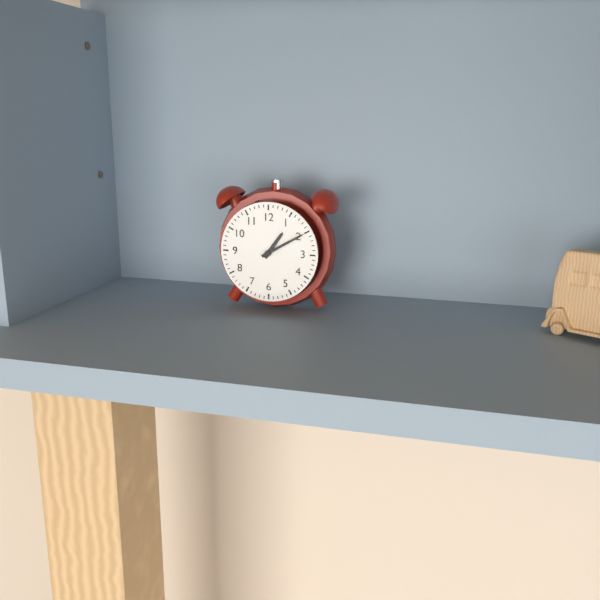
**1:10**
